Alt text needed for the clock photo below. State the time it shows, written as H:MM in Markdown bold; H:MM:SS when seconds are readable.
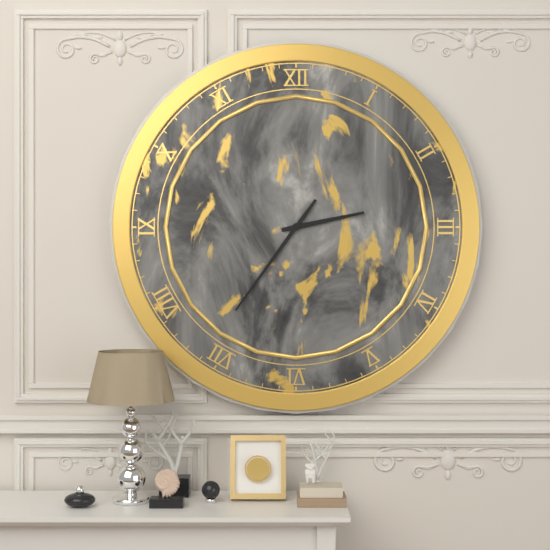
**2:36**
